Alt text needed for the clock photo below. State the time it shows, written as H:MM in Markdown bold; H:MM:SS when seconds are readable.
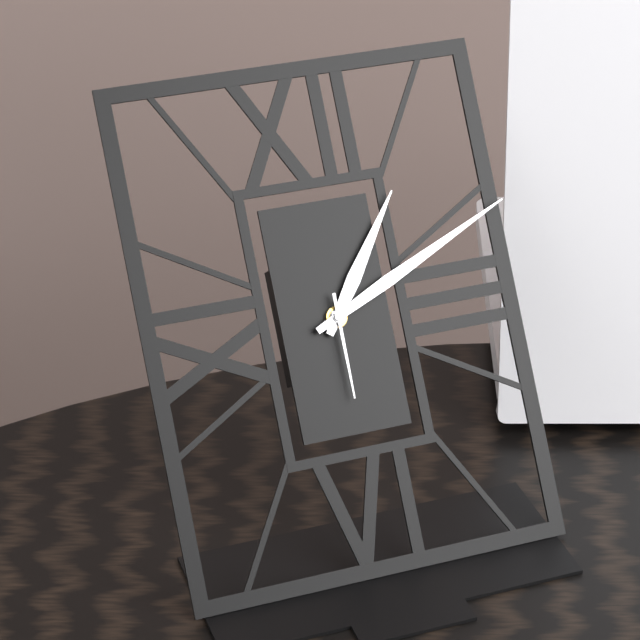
**1:11:30**
